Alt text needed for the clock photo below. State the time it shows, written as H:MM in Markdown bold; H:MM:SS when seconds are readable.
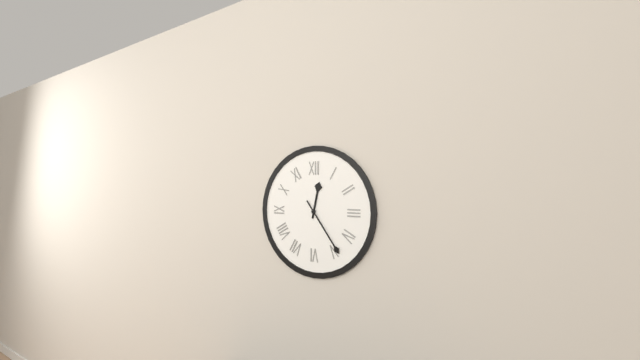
**12:24**
